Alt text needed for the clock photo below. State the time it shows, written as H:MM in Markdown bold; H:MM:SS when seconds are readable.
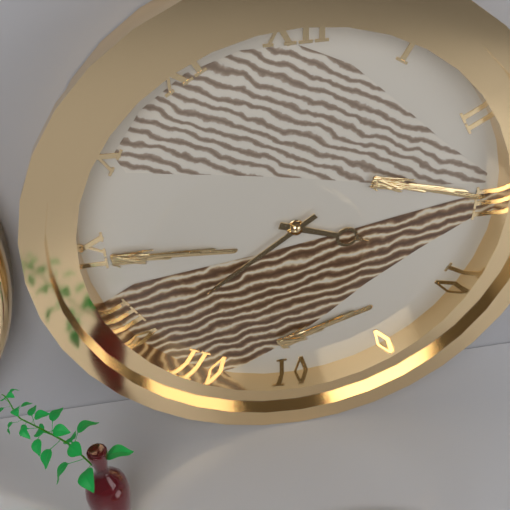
**3:39**
